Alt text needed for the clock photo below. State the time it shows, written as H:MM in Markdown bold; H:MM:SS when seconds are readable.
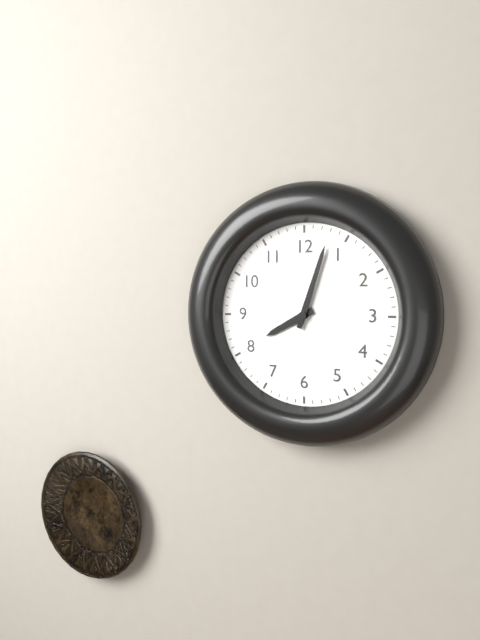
**8:03**
